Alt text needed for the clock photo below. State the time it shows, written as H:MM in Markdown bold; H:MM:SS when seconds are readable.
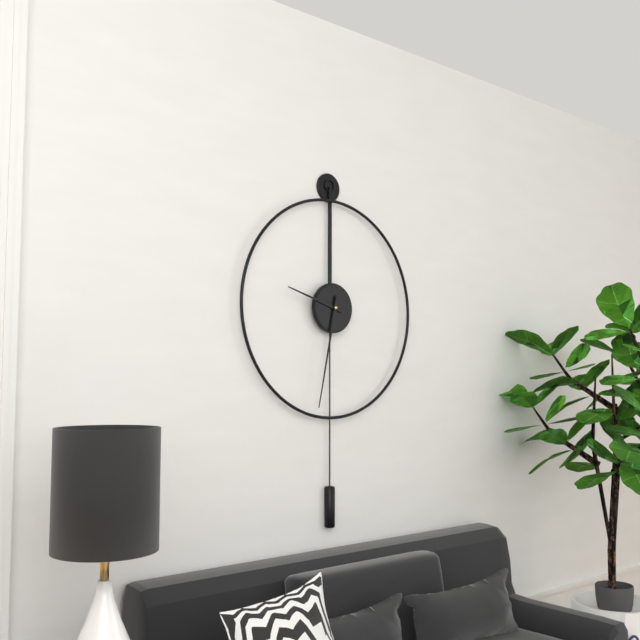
**9:32**
